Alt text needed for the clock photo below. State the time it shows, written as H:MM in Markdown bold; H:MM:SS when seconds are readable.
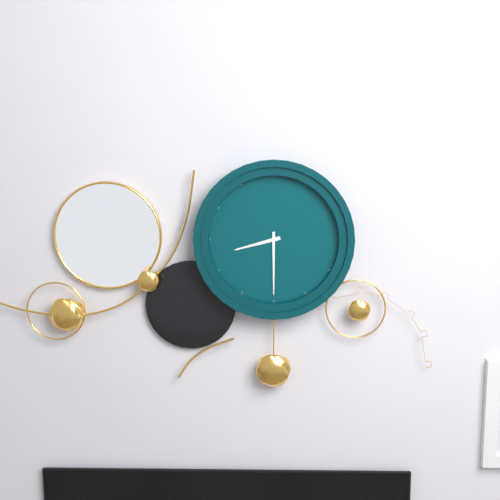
**8:30**
